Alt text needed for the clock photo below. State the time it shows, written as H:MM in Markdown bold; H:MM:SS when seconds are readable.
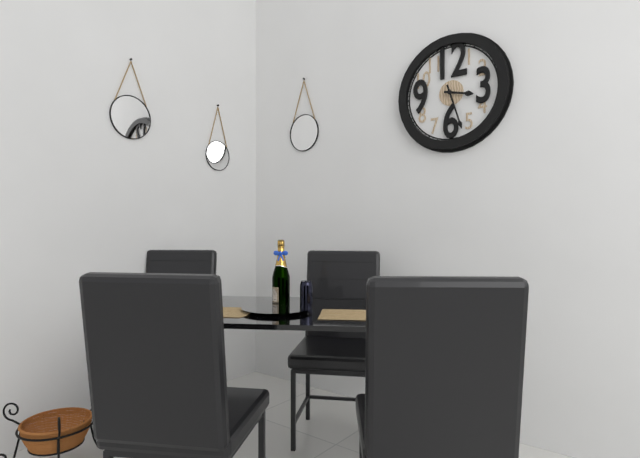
**3:27**
